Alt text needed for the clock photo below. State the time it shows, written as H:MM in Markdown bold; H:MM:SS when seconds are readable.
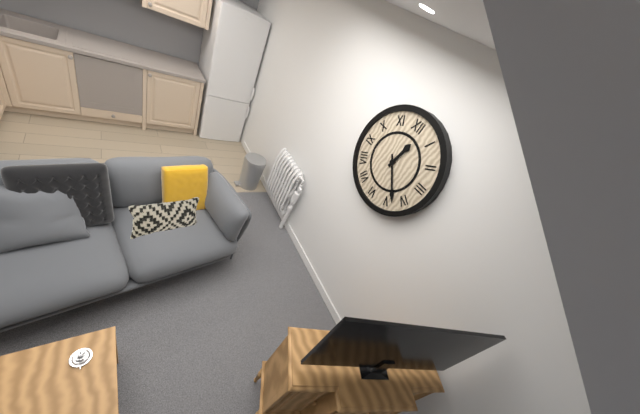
**12:23**
